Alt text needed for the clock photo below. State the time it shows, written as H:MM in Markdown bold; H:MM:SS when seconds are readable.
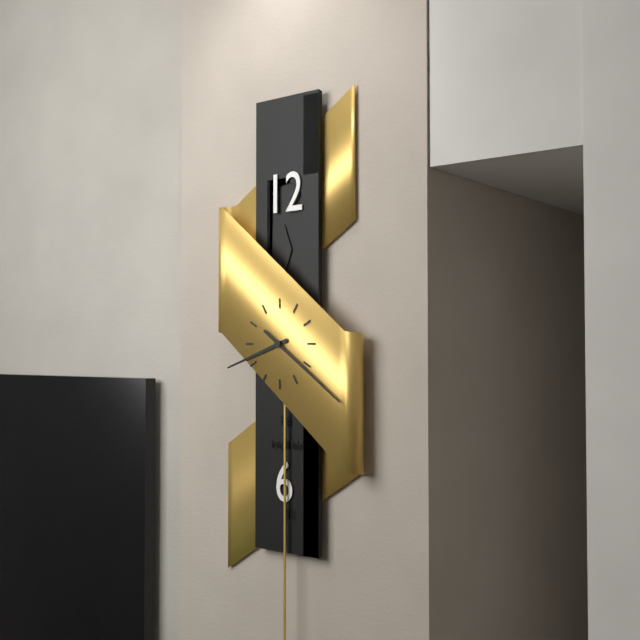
**8:21**
